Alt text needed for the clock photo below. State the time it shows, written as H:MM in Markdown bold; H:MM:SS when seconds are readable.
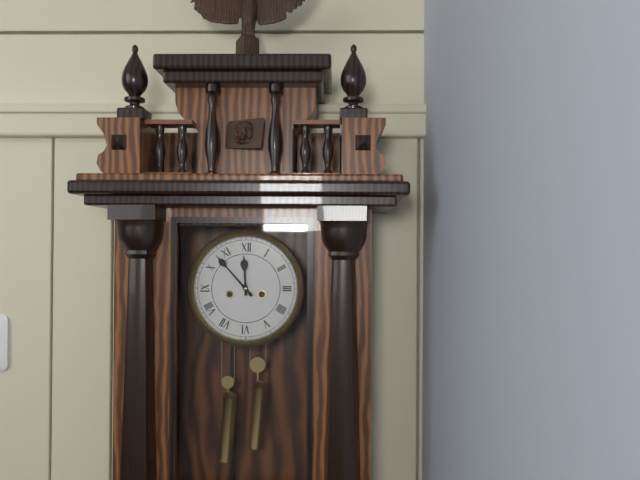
**11:53**
